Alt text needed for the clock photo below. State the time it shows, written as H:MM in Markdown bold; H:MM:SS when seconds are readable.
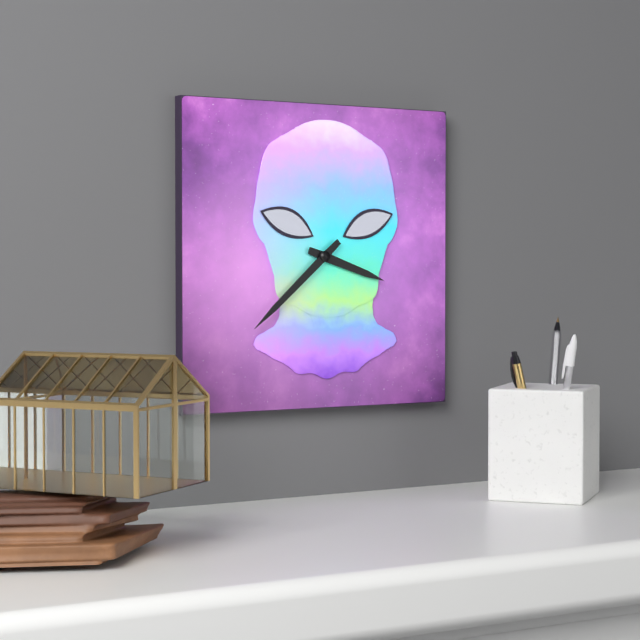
**3:38**
